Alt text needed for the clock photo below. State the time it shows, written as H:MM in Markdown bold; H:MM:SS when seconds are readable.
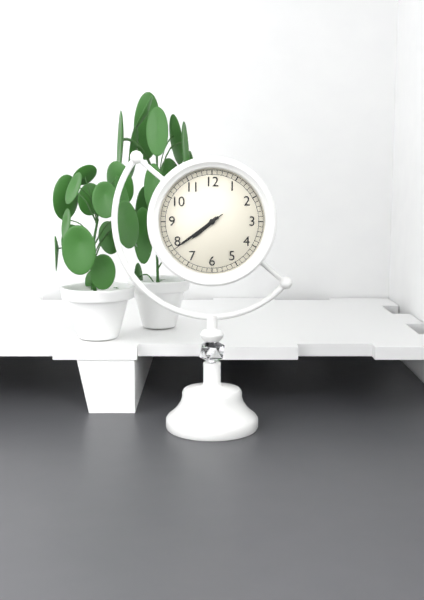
**7:39:39**
